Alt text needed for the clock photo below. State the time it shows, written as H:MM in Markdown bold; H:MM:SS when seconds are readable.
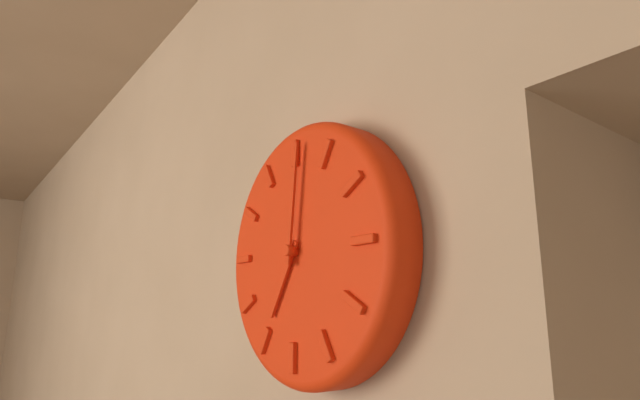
**7:01**
